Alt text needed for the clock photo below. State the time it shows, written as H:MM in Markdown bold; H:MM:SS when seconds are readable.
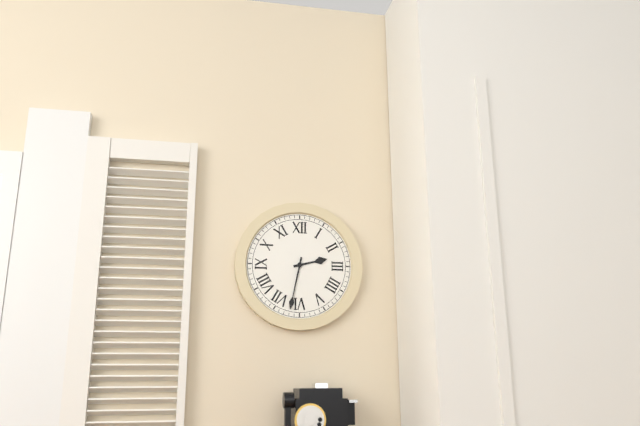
**2:32**
